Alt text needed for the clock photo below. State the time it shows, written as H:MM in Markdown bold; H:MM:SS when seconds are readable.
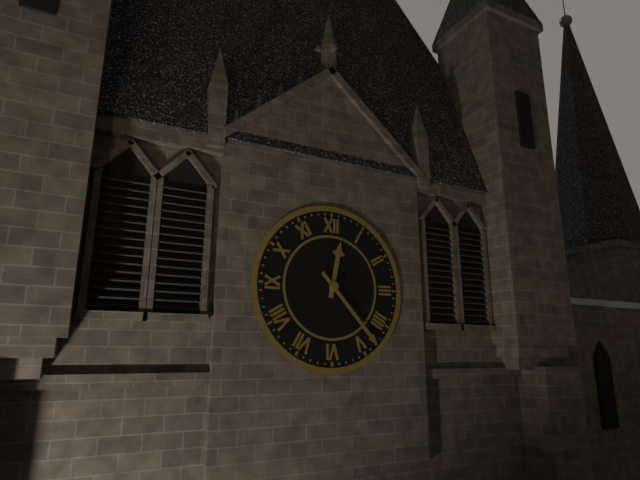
**12:23**
